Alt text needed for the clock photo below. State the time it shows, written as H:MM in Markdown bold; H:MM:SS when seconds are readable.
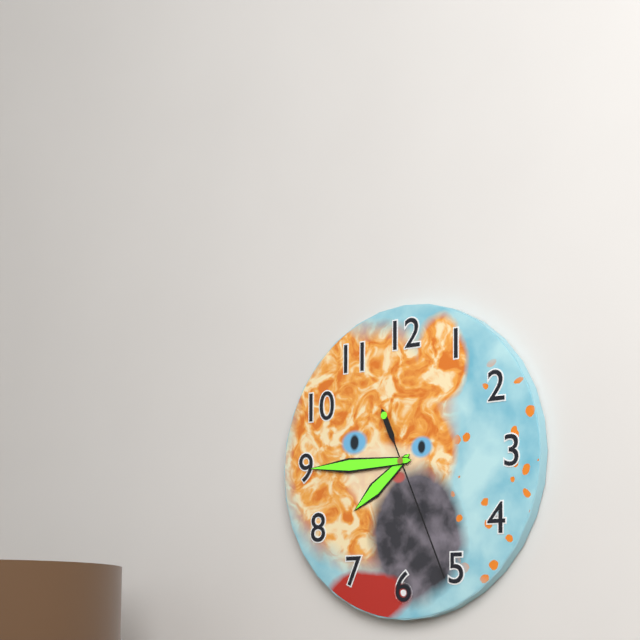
**7:45:26**
